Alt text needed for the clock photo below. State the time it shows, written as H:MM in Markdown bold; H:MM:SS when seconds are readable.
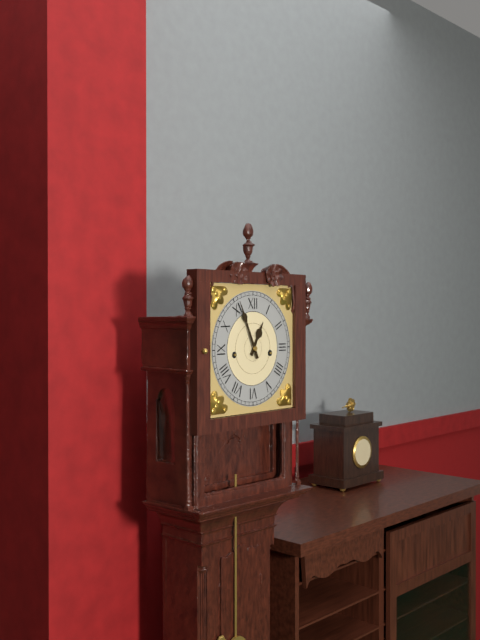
**12:56**
